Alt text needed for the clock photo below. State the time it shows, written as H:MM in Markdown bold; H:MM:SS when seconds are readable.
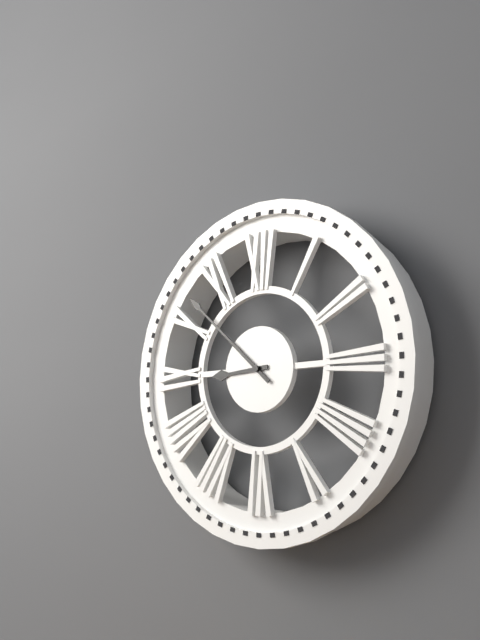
**8:52**
